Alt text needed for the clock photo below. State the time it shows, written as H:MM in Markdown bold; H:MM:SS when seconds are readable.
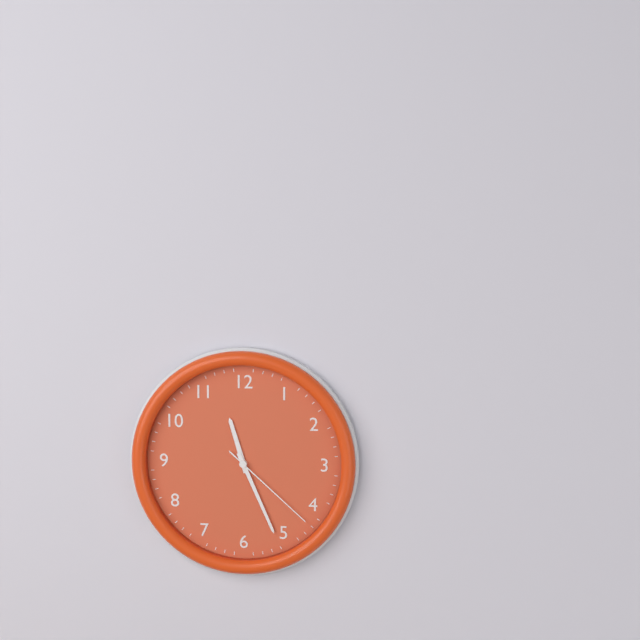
**11:26:22**
